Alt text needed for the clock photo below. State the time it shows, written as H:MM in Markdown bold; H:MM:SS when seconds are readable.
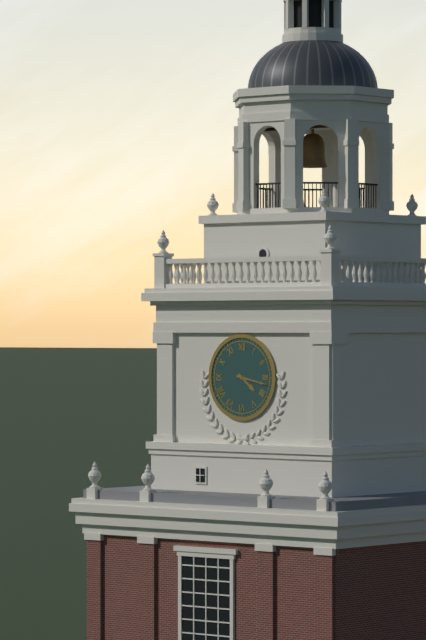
**4:17**
